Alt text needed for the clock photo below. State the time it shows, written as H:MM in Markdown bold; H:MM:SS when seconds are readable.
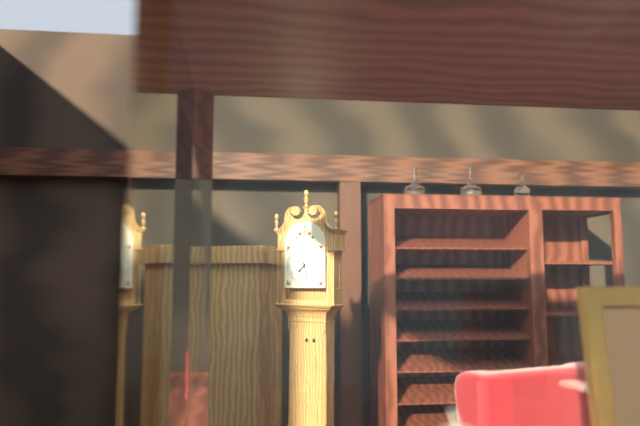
**7:28**
